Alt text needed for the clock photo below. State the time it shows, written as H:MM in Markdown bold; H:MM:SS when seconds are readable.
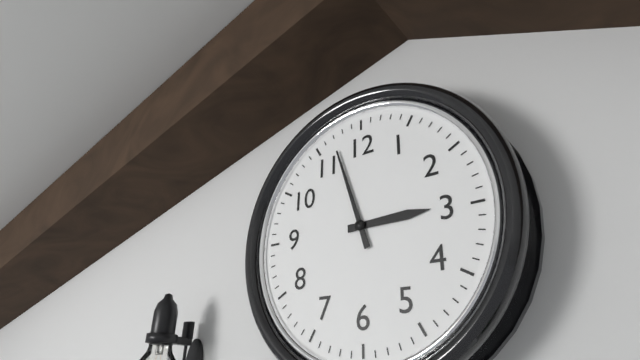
**2:57**
